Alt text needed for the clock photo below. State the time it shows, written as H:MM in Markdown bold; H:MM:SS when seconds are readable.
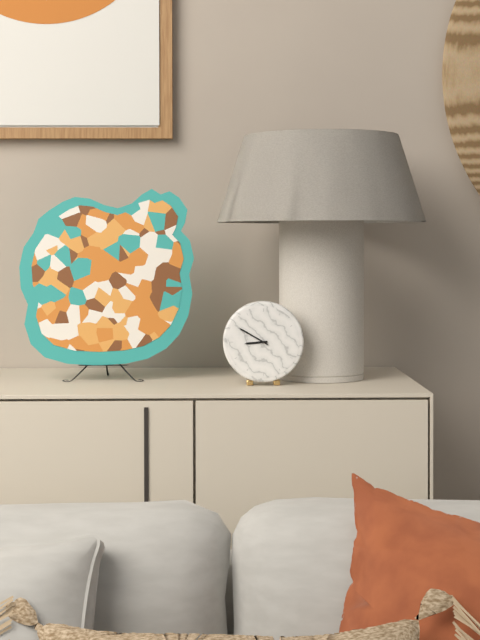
**8:50**
